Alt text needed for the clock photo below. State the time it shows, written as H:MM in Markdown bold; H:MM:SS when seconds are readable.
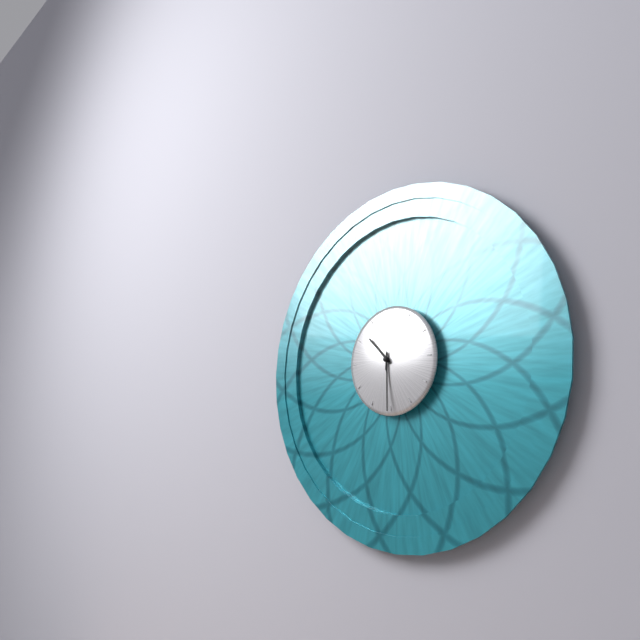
**10:30:01**
